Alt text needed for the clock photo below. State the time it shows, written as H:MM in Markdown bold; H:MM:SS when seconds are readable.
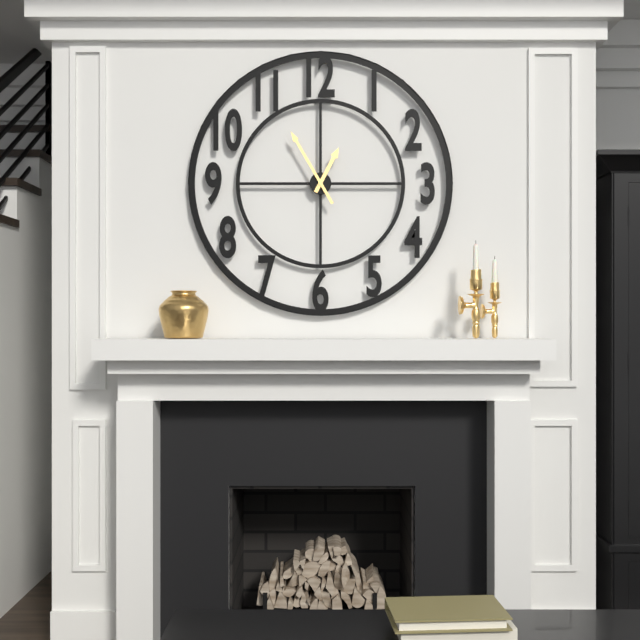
**12:55**
